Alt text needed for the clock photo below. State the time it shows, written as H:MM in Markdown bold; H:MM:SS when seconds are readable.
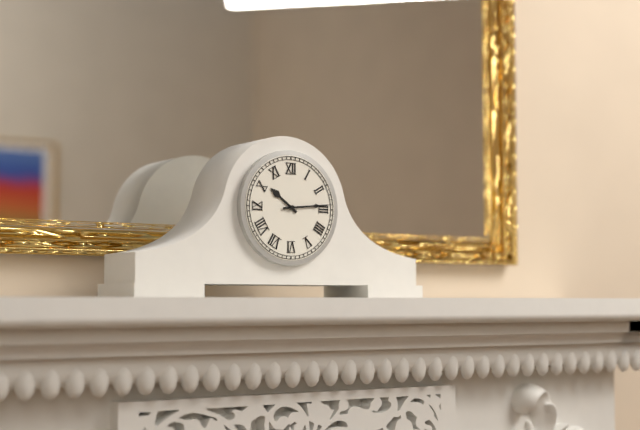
**10:14**
